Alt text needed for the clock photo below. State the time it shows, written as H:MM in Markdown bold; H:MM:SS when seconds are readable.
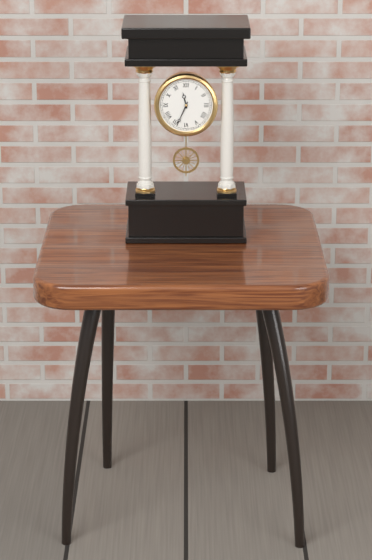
**11:34**
